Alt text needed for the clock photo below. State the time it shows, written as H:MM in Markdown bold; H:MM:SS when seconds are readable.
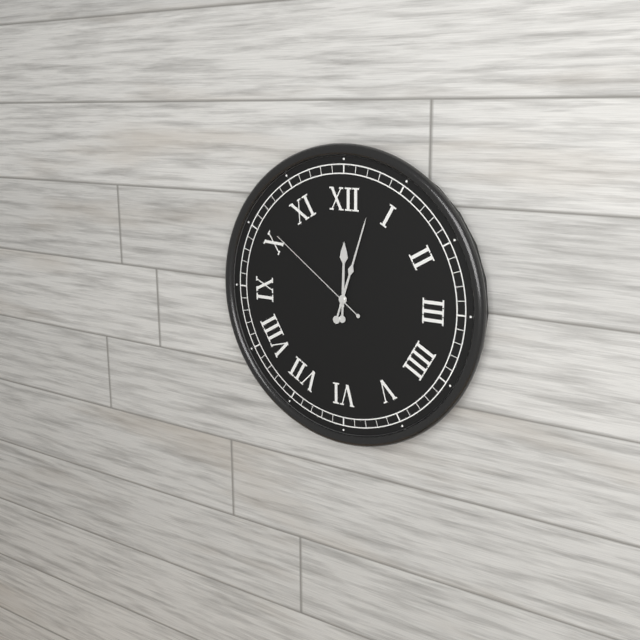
**12:03:51**
